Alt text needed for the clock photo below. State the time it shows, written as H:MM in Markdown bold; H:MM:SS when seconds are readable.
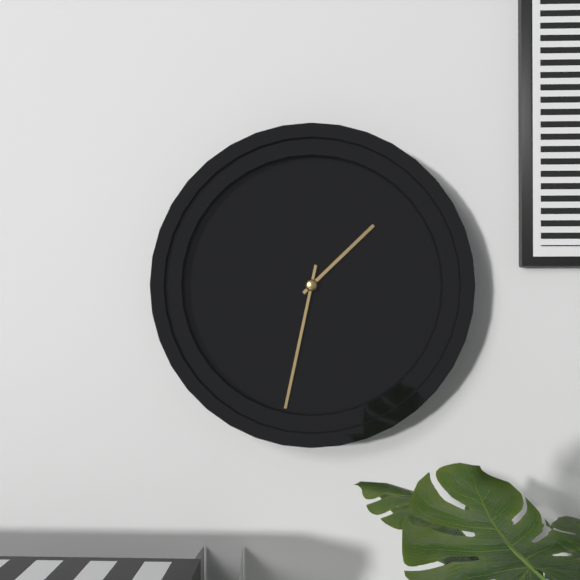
**1:32**
